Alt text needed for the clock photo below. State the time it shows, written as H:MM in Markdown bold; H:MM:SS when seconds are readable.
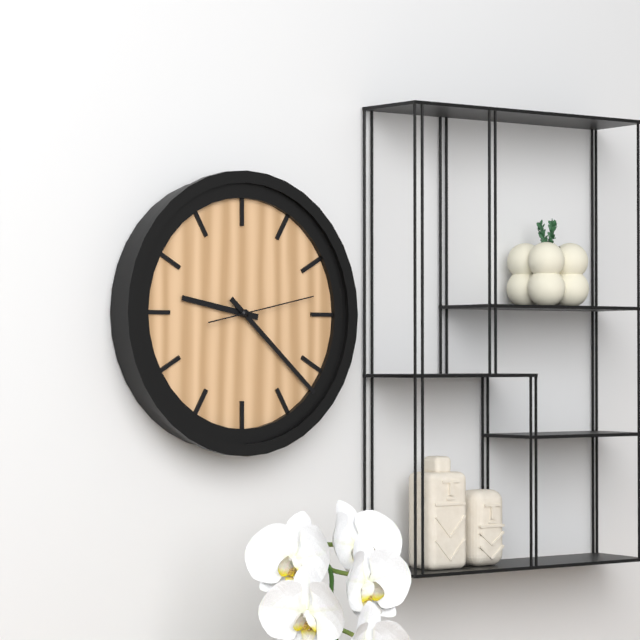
**9:22:13**
